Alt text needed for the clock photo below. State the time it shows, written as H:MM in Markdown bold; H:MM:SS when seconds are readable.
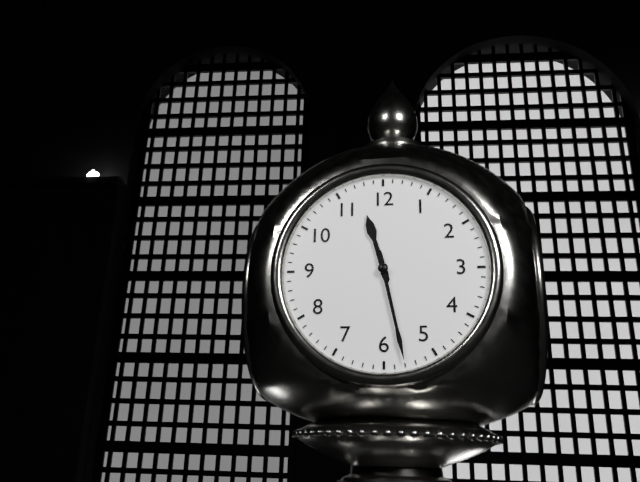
**11:28**
